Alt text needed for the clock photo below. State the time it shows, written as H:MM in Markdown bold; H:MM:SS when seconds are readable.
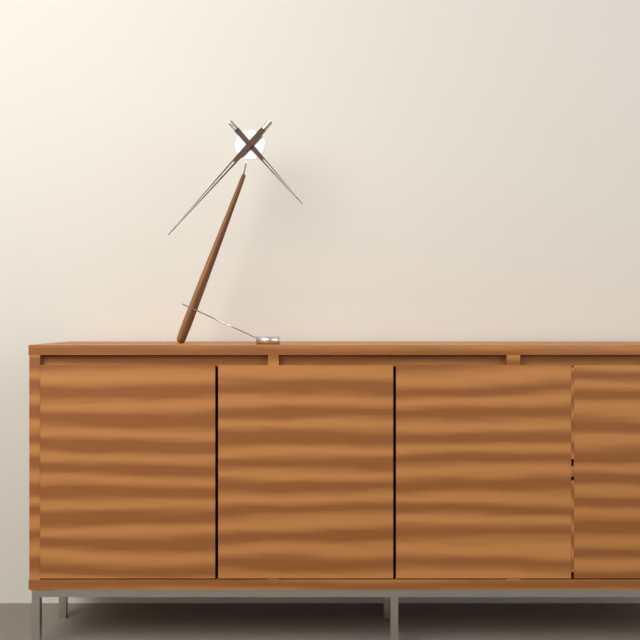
**4:37**
